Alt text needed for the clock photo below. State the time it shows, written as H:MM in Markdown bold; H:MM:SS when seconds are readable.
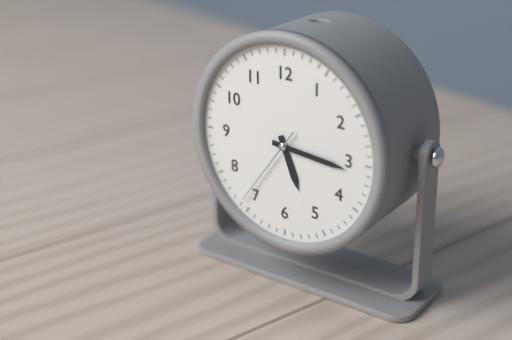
**5:16:36**
